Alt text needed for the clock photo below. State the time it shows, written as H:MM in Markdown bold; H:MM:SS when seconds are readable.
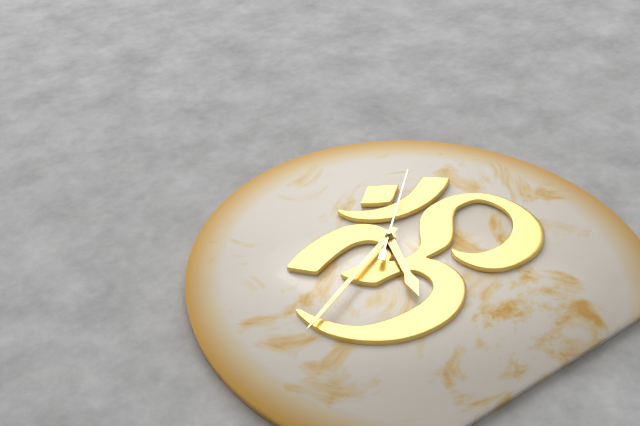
**6:41:08**
